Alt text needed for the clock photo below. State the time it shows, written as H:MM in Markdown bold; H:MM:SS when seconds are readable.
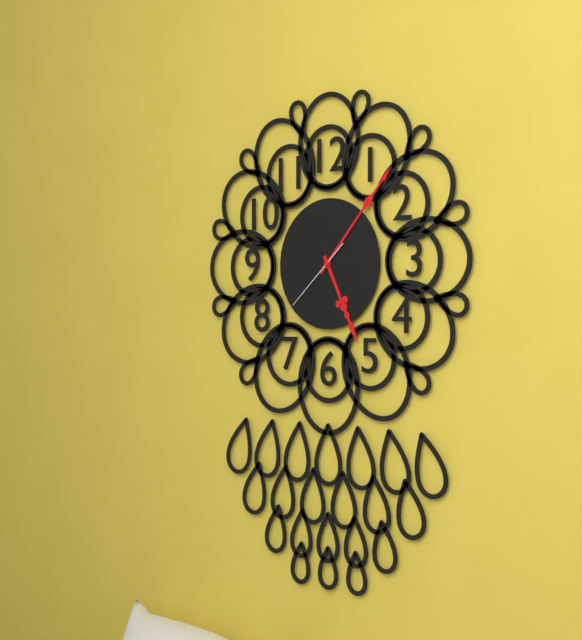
**5:07:38**
